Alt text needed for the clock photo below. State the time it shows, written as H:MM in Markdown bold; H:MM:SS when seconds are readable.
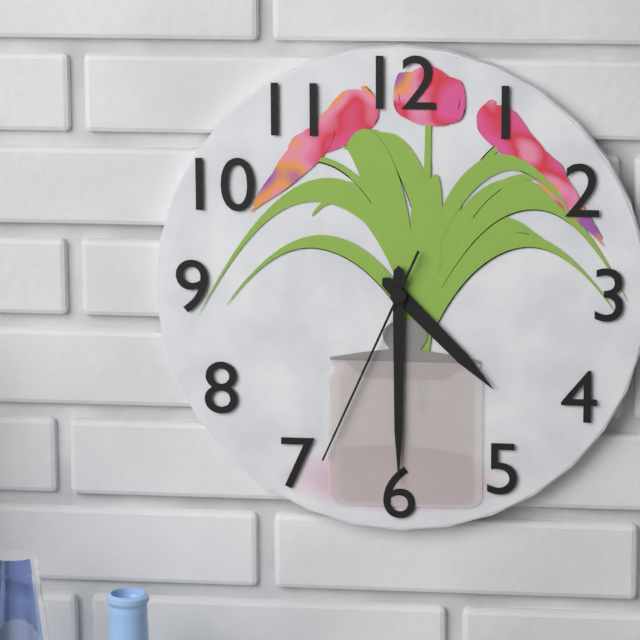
**4:30:34**
